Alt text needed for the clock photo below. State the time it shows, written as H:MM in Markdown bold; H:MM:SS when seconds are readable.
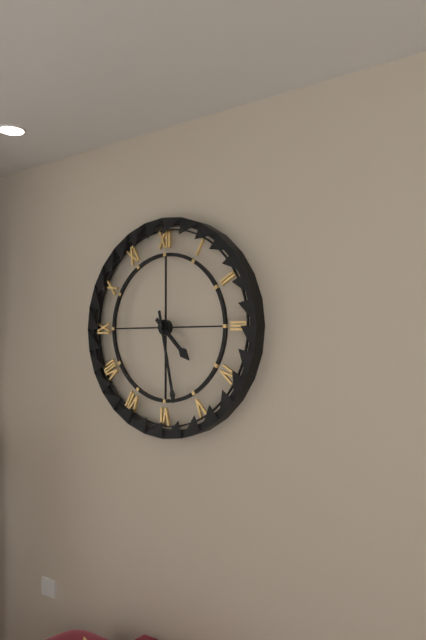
**4:28**
